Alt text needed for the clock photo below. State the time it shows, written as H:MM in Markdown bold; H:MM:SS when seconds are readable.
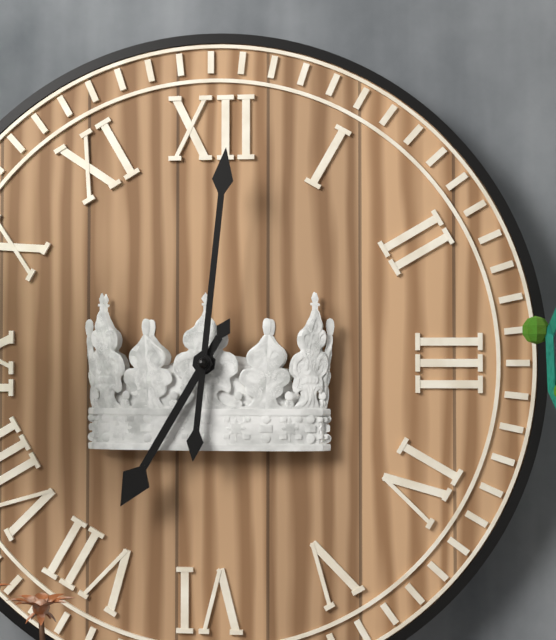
**7:01**
